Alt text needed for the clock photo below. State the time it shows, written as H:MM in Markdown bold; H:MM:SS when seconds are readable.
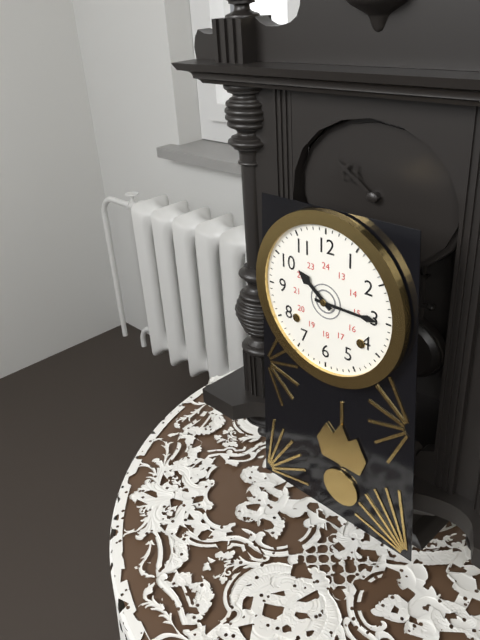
**10:15**
